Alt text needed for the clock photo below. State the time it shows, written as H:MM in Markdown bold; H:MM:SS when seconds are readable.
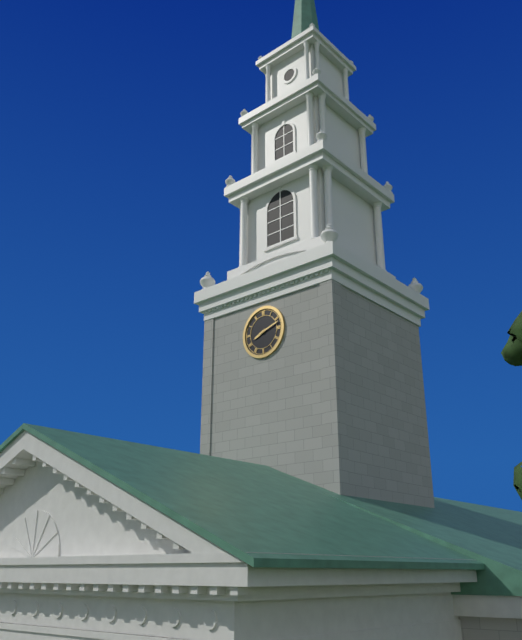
**8:12**
